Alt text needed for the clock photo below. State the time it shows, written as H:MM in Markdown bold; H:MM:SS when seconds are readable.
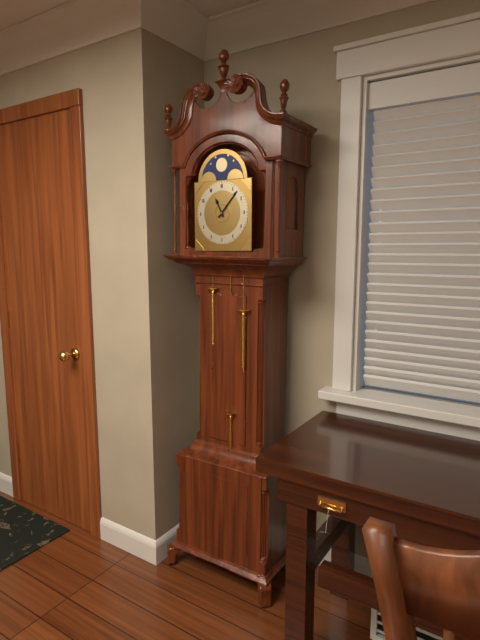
**11:07**
